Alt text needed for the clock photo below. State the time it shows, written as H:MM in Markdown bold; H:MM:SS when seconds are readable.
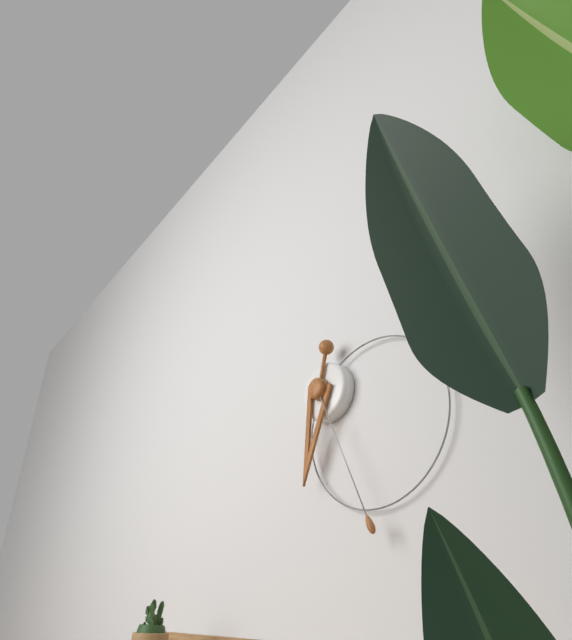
**6:26**
